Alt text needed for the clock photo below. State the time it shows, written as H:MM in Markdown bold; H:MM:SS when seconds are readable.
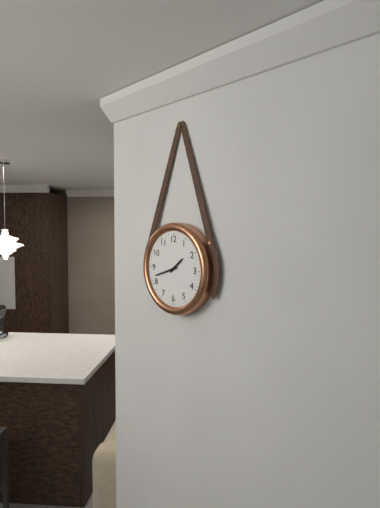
**1:42**
